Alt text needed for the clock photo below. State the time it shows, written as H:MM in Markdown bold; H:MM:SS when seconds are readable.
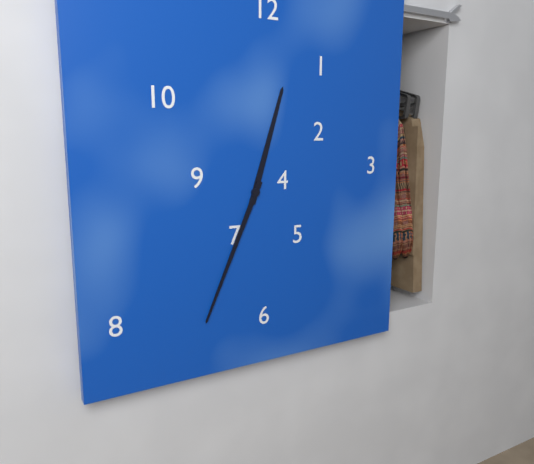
**12:34**
